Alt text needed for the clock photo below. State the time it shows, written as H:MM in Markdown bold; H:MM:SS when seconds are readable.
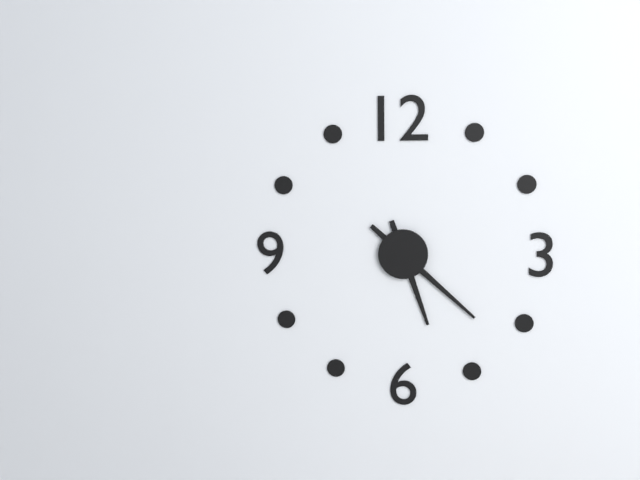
**5:22**
